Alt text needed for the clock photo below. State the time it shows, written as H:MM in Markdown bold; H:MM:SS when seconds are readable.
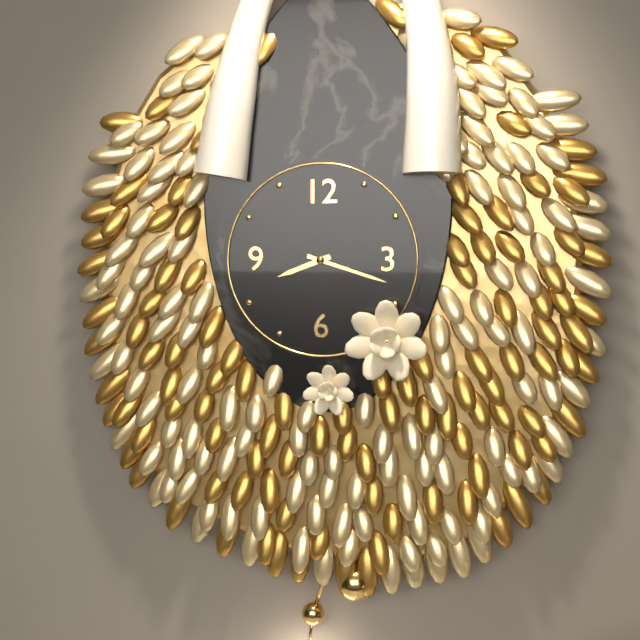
**8:18**
